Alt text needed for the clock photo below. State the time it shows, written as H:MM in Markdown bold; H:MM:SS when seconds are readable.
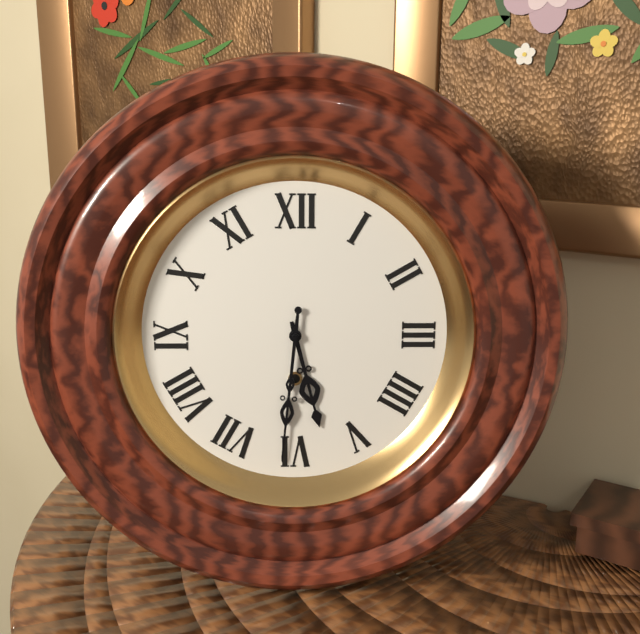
**5:31**
